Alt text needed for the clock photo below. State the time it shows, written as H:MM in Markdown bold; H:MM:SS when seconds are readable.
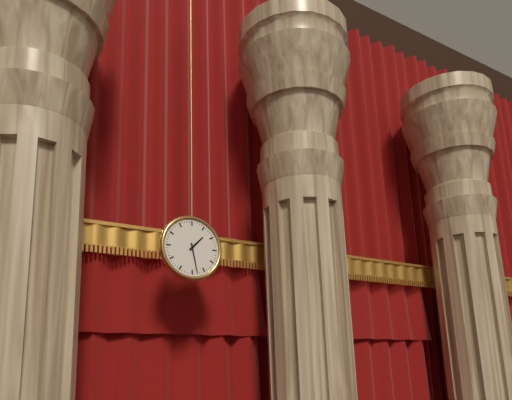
**1:28**
